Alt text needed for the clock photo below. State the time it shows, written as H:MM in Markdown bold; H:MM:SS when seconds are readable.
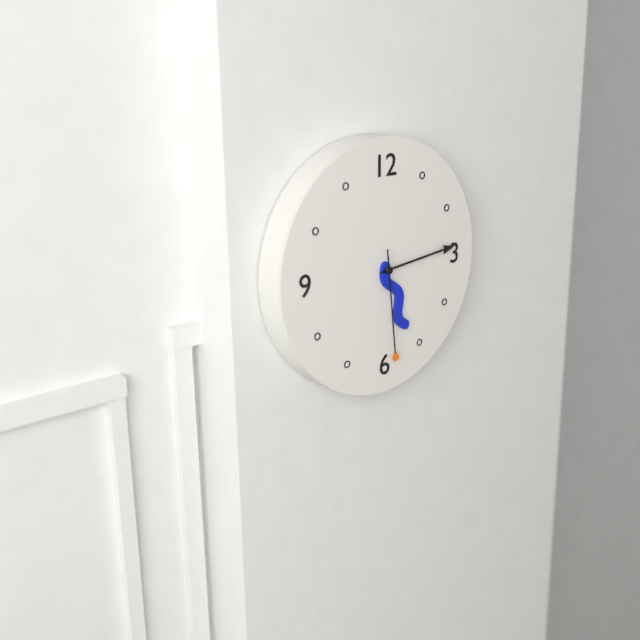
**5:14:29**
